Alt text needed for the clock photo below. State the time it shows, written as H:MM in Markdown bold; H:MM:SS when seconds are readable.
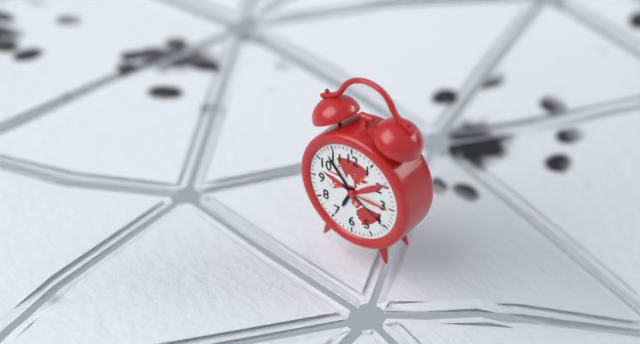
**6:53:20**
